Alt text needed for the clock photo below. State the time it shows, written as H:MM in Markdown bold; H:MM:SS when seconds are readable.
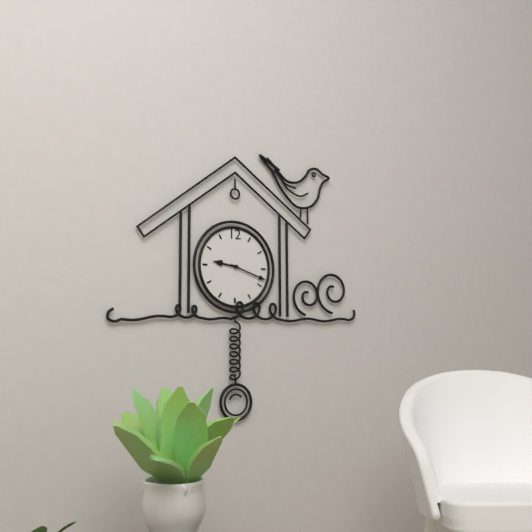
**9:18**
